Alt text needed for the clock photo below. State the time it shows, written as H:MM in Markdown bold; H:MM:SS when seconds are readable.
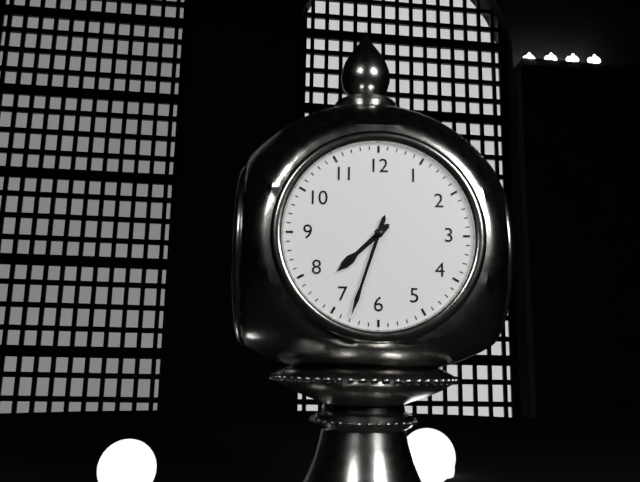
**7:33**
